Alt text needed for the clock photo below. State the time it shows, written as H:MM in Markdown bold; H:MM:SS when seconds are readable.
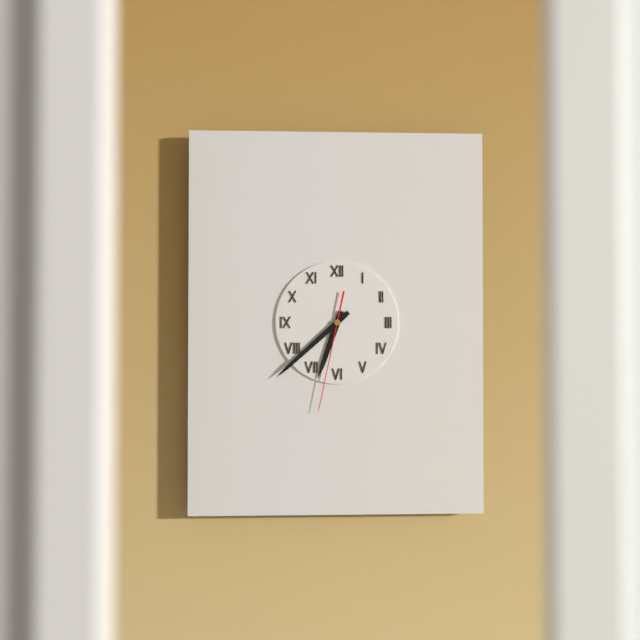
**6:38:32**
